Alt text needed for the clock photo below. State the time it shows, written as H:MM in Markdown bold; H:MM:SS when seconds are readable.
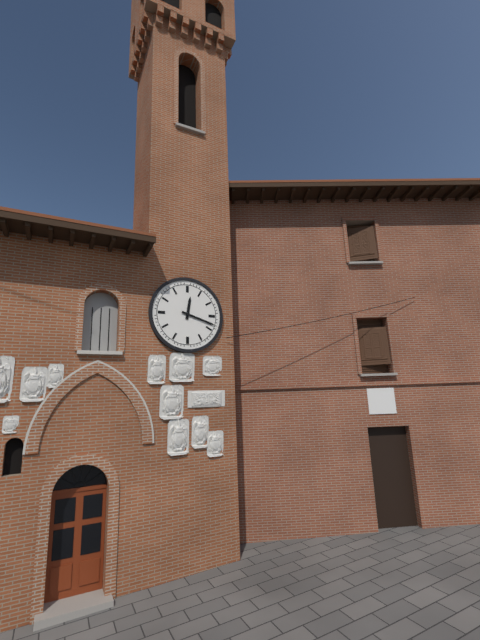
**12:18**
